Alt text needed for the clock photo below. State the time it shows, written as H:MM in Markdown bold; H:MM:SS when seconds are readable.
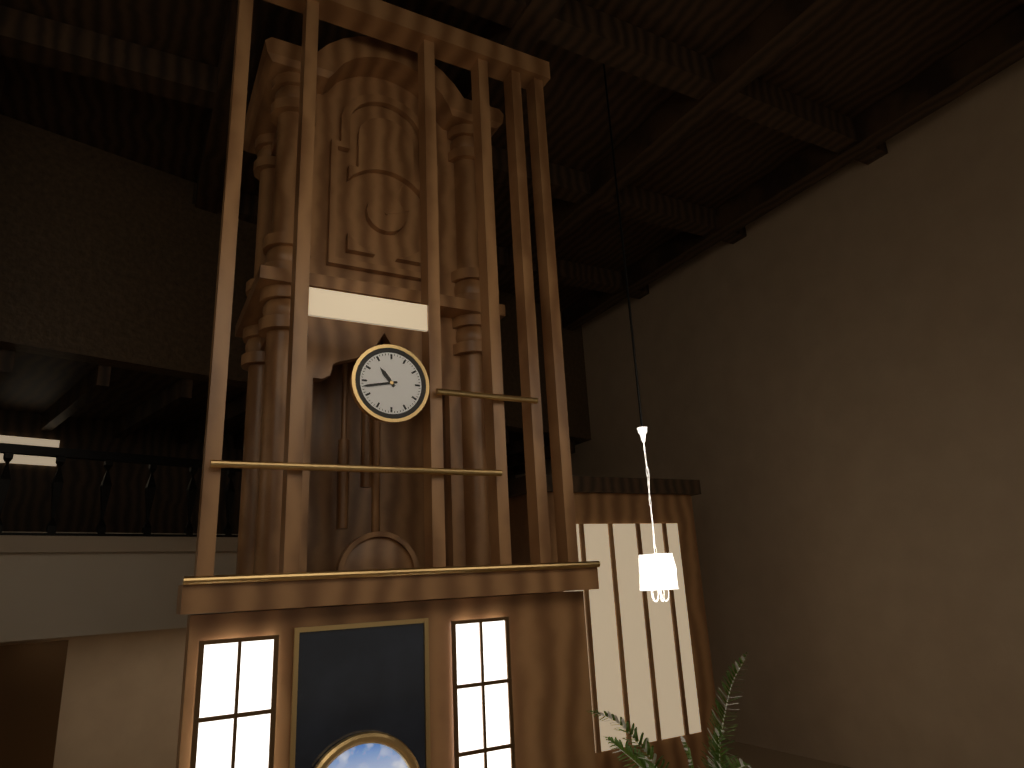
**10:43**
